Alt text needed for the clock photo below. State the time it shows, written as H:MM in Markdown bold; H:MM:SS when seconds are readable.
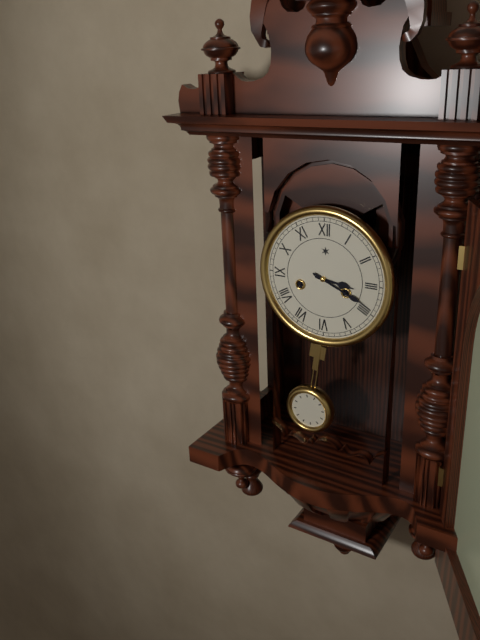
**3:19**
